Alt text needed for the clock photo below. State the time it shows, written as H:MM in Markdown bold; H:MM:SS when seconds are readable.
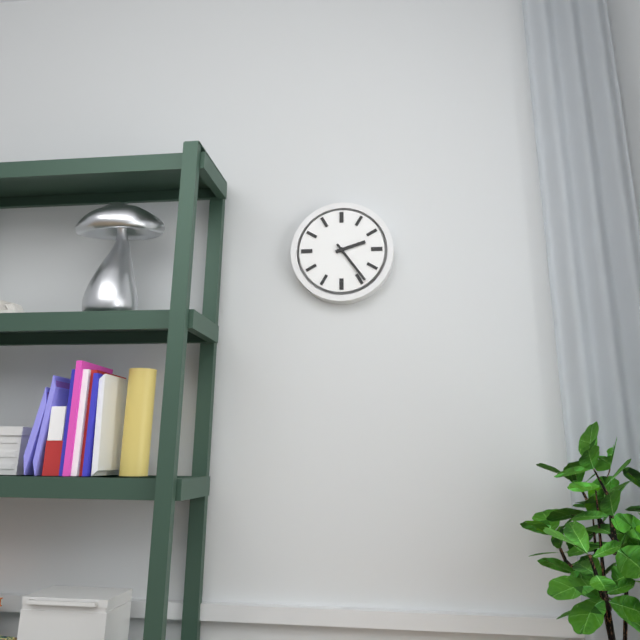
**2:24**
